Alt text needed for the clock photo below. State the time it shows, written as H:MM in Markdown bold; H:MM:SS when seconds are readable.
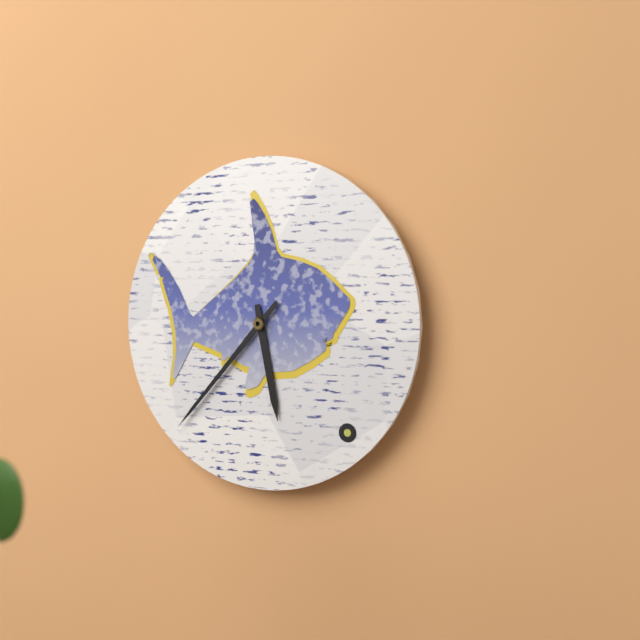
**5:37**
